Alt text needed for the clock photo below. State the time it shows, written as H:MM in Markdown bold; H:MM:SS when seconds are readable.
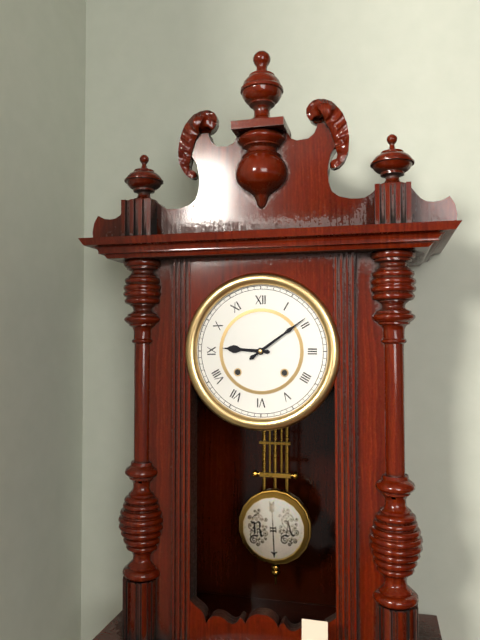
**9:09**
